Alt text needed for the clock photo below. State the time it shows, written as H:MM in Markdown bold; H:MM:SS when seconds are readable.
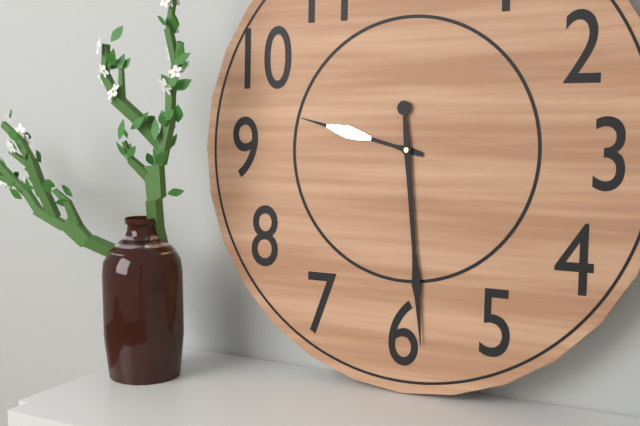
**9:29**
